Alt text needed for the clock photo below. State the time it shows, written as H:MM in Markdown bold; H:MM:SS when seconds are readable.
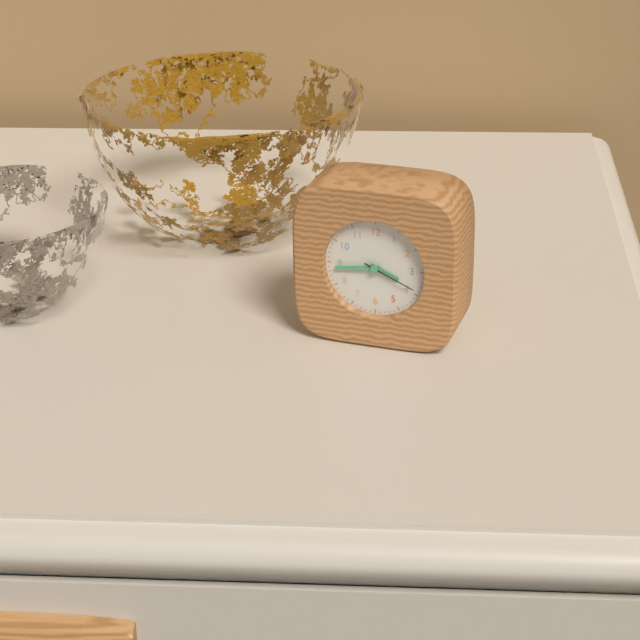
**3:44:19**
